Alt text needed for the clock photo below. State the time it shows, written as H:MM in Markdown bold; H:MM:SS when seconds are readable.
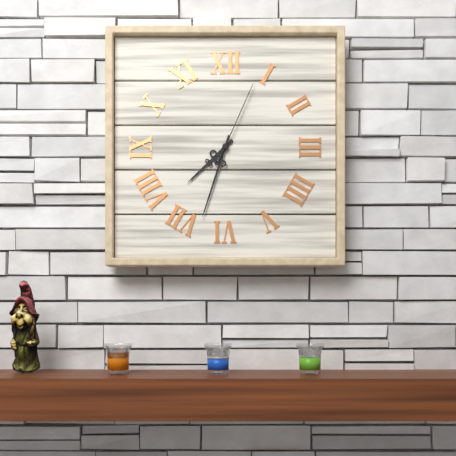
**7:33:04**
